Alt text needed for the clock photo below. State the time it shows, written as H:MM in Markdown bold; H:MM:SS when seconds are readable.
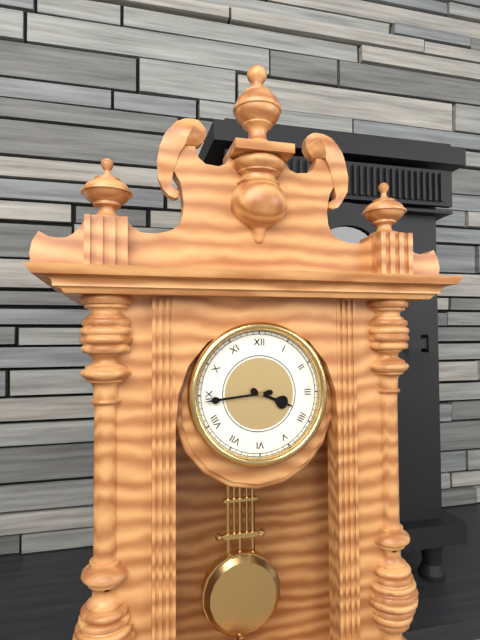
**3:44**
